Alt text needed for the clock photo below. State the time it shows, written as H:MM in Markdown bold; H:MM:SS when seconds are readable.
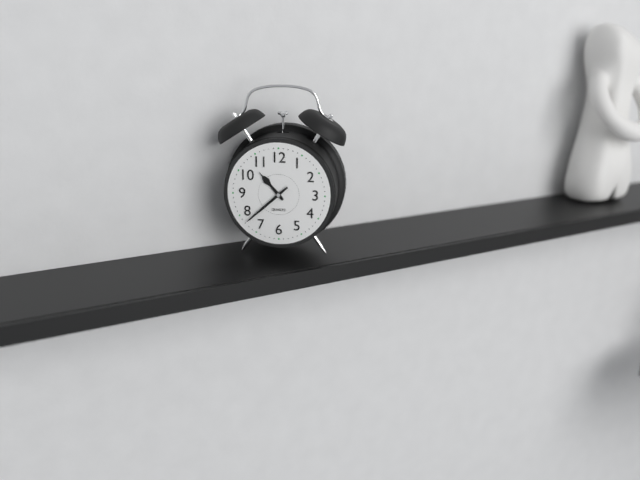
**10:38**
